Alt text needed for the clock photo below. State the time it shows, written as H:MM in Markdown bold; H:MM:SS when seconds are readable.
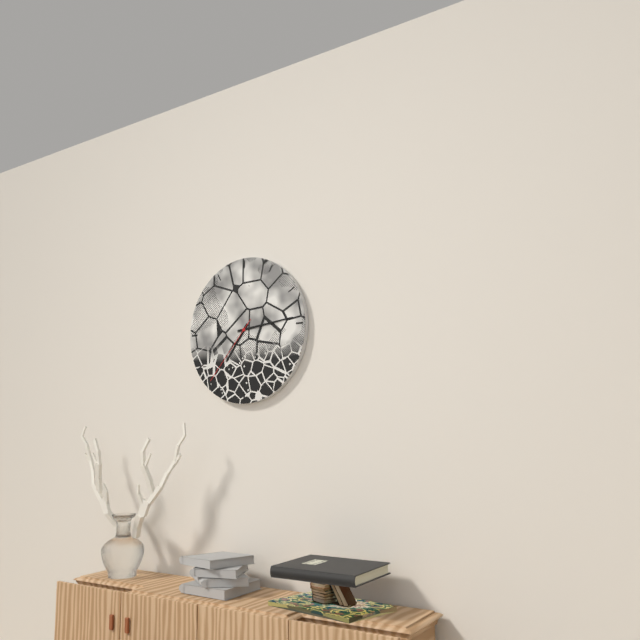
**7:14:37**
